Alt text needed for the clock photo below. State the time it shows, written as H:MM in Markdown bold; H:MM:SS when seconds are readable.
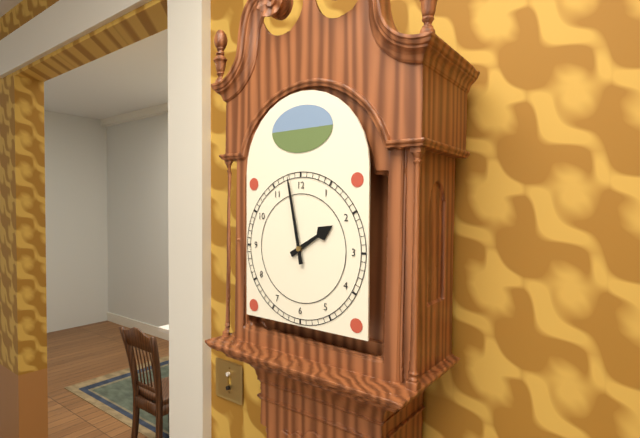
**1:58**
